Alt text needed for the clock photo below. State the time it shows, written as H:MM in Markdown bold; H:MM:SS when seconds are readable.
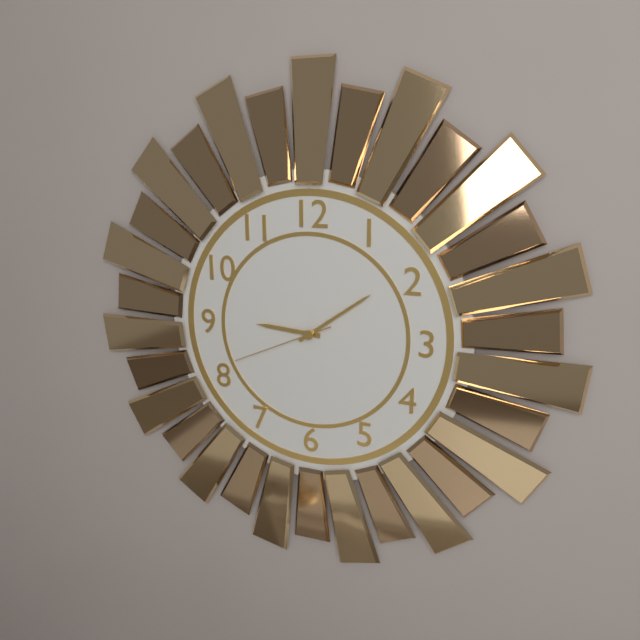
**9:09:41**
